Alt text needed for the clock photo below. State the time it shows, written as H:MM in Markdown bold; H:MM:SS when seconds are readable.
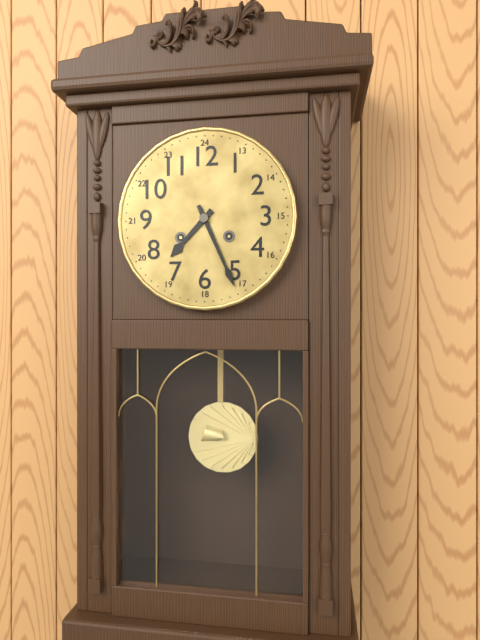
**7:26**
